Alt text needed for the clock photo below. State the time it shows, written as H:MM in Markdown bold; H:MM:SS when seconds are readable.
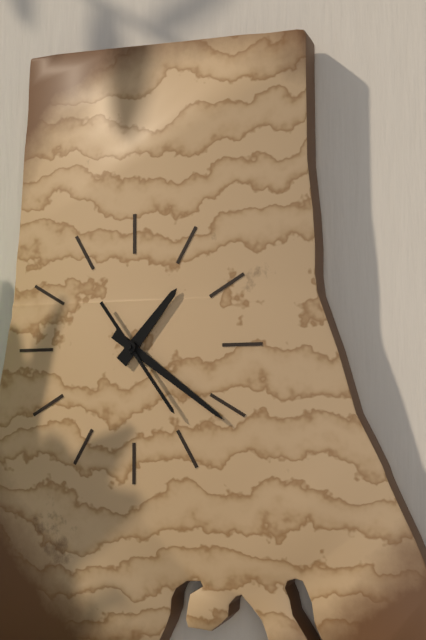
**1:21:24**
